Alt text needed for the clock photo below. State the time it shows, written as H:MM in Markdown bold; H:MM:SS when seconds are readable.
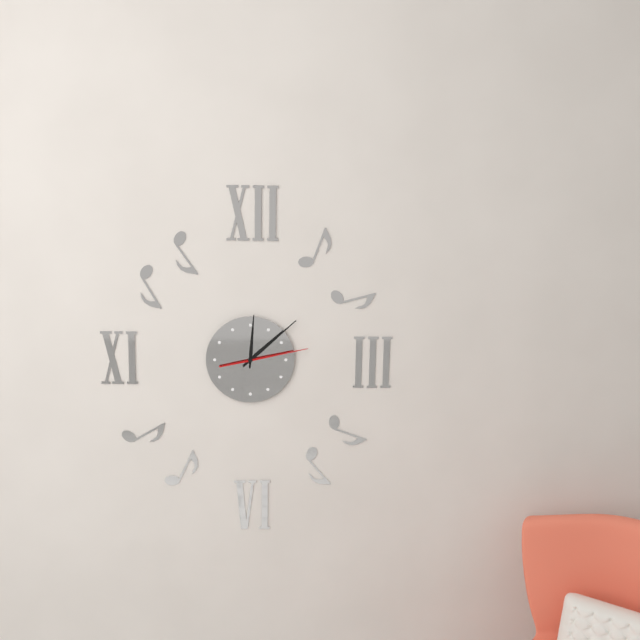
**12:08:13**
